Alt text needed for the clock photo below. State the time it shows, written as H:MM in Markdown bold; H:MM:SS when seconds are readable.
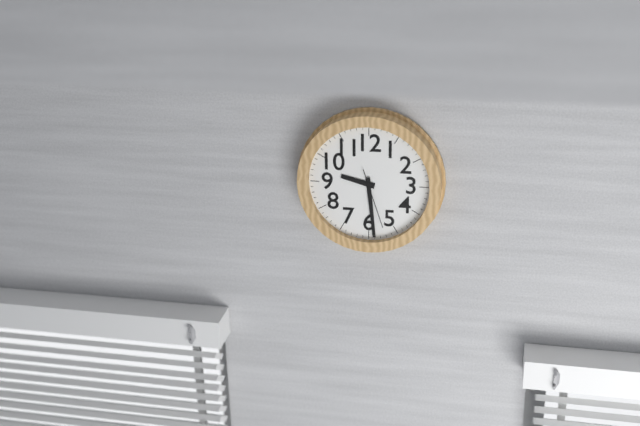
**9:29:27**
